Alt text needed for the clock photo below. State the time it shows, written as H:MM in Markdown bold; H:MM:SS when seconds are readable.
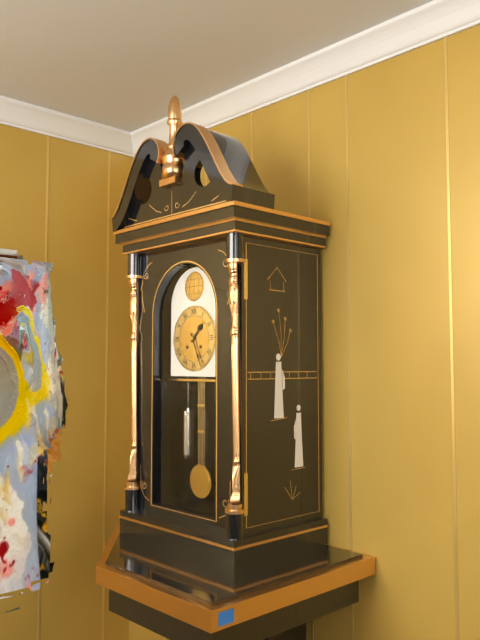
**1:26**
